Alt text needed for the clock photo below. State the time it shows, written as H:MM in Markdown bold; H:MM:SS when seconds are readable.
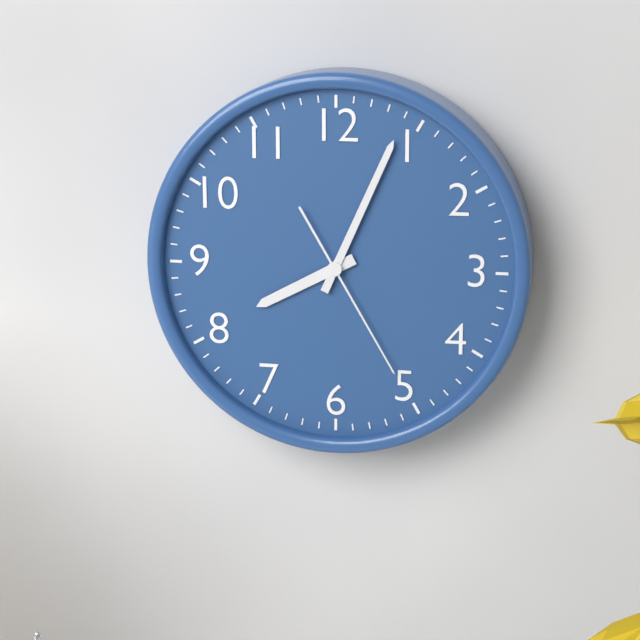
**8:04:25**
